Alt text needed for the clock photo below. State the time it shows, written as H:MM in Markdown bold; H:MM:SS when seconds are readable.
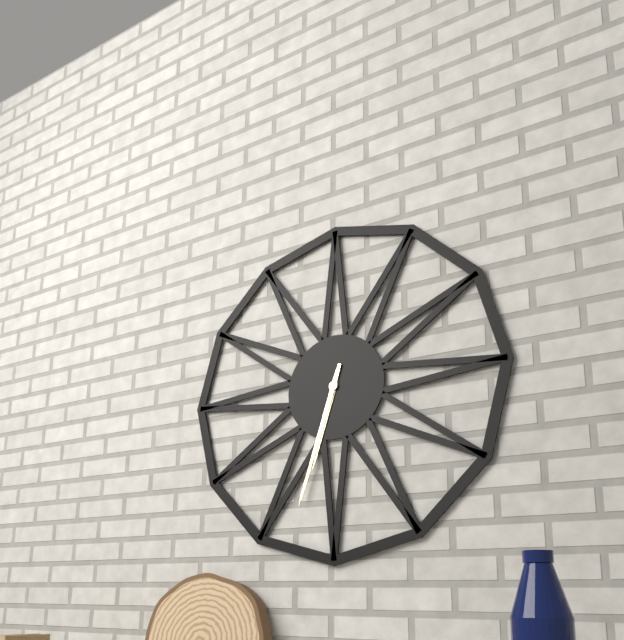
**6:33**
